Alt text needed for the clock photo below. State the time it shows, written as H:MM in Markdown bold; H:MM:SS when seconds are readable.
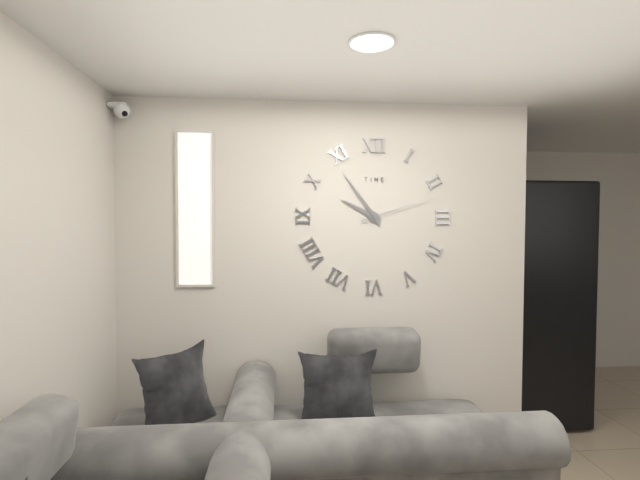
**9:54:12**
